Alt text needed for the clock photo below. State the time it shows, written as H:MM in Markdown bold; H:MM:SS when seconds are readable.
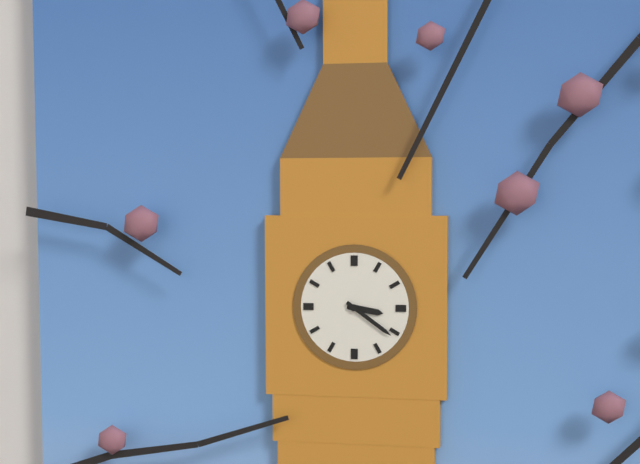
**3:21**
